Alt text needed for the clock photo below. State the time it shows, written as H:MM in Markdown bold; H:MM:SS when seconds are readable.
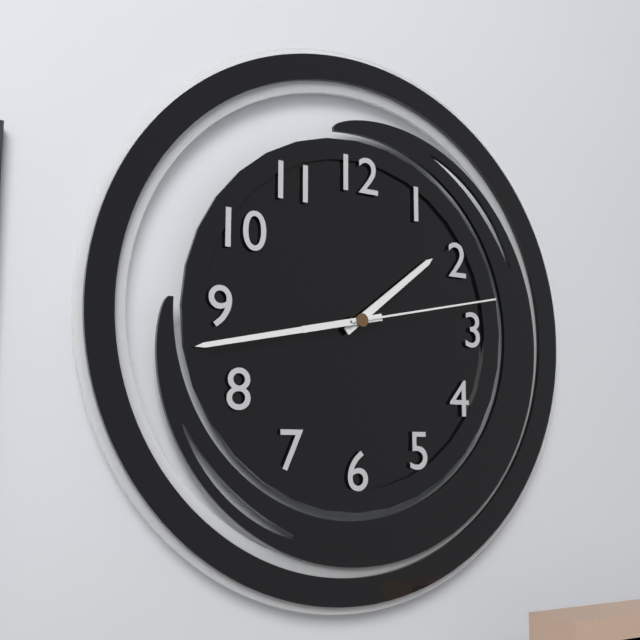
**1:43:13**
